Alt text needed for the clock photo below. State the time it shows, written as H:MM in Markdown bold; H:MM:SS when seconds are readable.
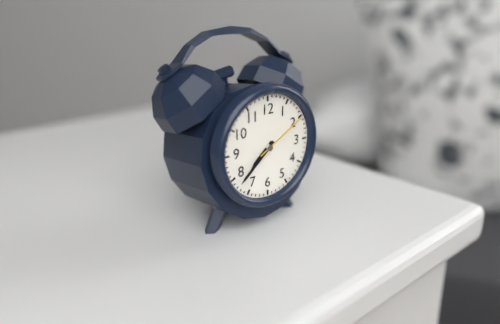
**7:38:10**
